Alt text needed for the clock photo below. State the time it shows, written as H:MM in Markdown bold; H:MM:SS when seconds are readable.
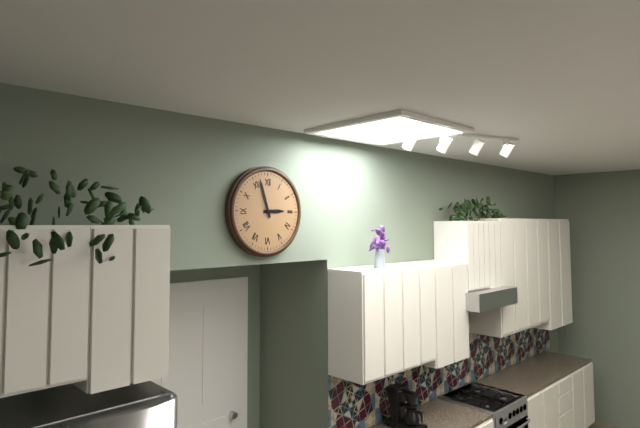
**2:57**
